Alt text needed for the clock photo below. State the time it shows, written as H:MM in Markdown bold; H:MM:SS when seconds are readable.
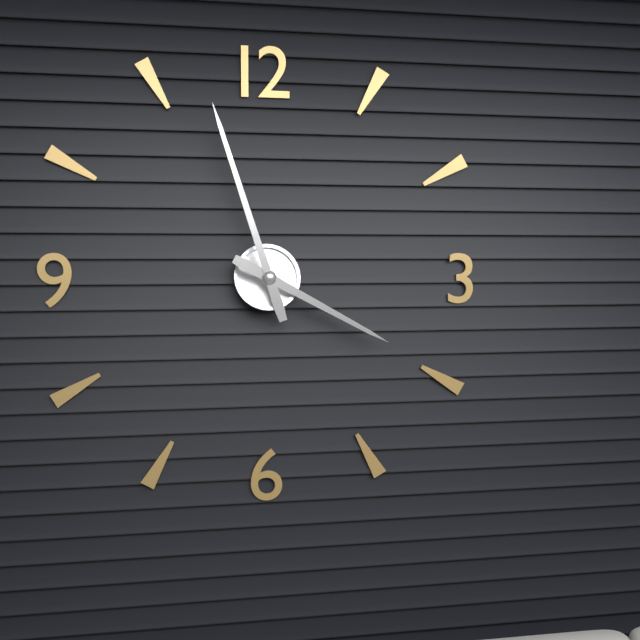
**3:57**
